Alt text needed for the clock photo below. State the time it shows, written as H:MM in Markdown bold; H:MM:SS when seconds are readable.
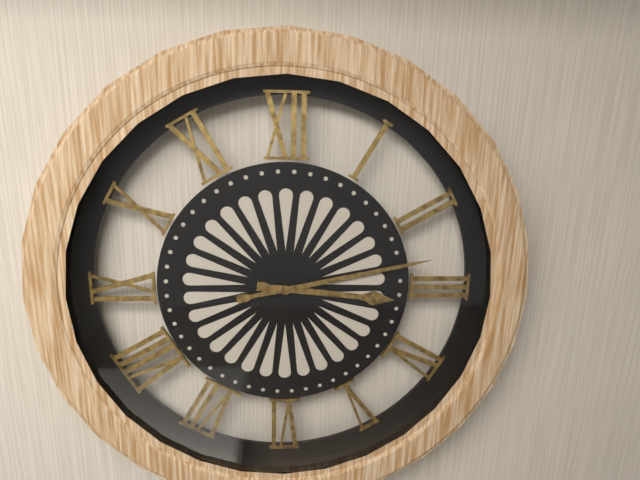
**3:13**
